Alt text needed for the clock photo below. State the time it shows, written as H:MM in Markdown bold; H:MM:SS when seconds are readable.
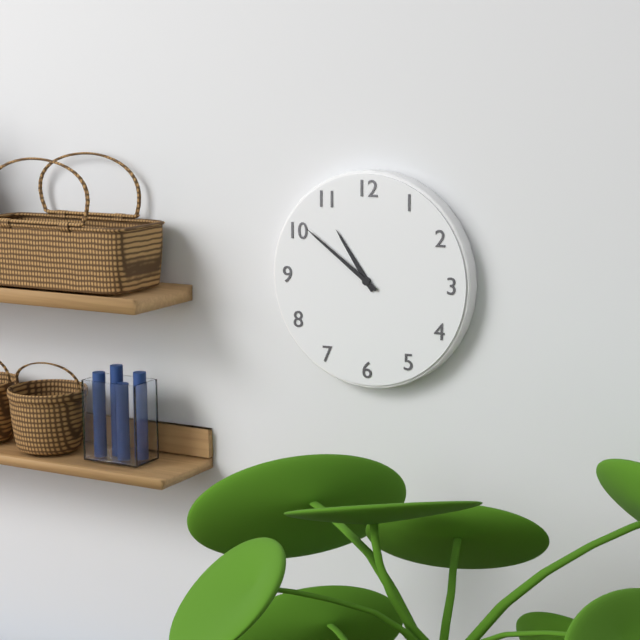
**10:51**
